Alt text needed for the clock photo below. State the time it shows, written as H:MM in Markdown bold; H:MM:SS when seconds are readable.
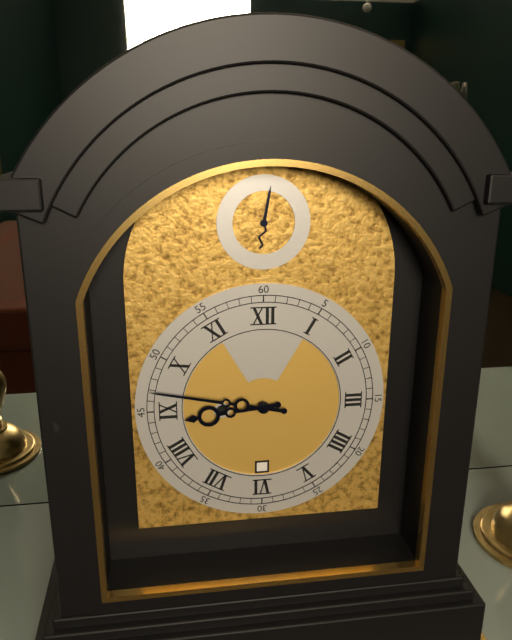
**8:47**
